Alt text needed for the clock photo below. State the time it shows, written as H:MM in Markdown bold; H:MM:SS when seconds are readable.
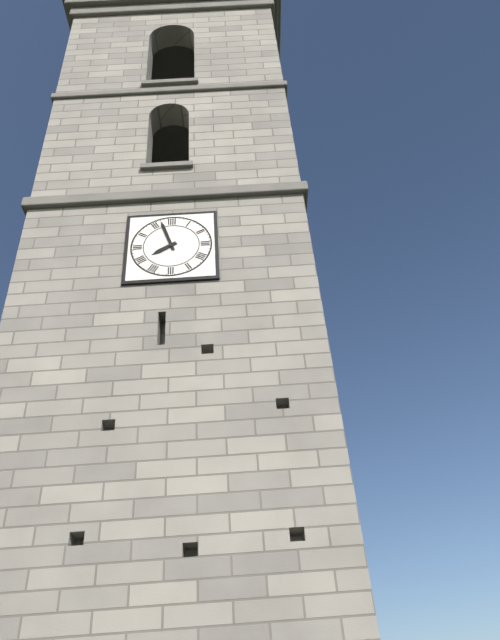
**7:57**
